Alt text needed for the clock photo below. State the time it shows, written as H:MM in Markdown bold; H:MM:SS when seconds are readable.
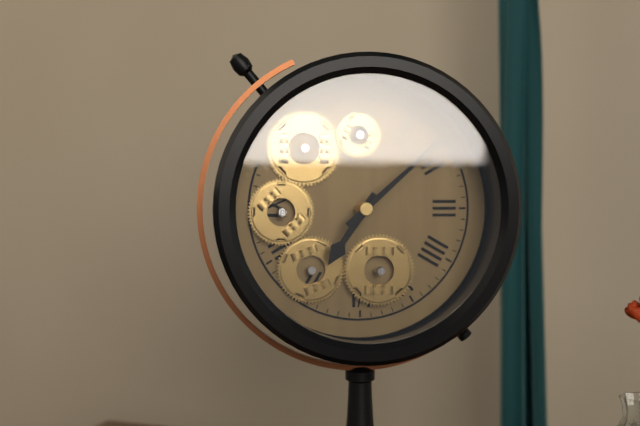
**7:08**
